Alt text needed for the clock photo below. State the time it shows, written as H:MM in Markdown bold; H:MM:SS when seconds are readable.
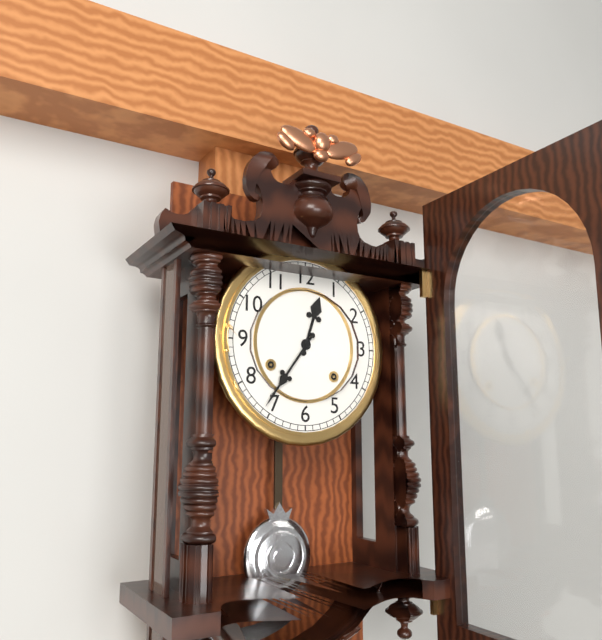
**12:36**
